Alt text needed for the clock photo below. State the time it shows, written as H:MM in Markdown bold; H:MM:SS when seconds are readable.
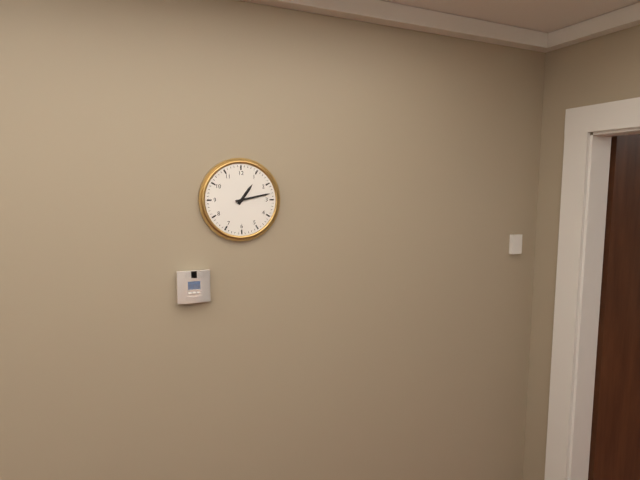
**1:13**
